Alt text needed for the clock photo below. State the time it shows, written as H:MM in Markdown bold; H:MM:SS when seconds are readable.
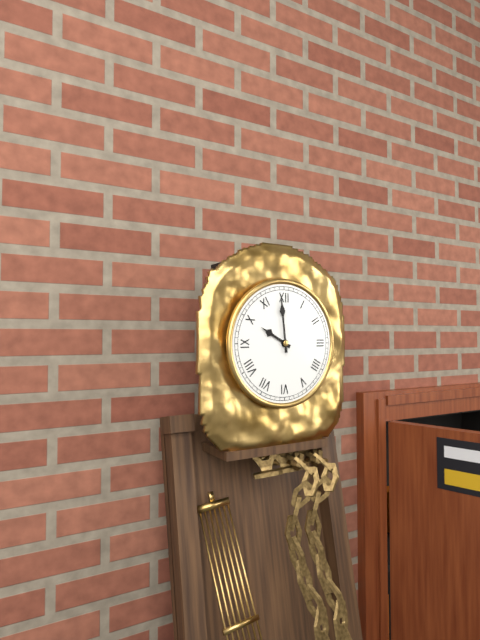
**9:59**
